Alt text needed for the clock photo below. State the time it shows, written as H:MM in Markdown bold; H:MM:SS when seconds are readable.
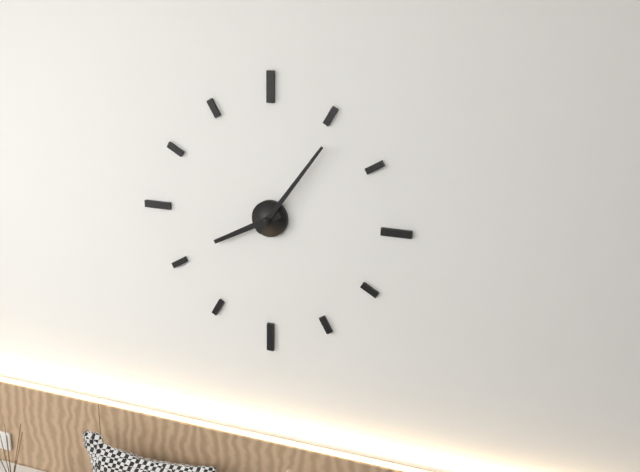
**8:06**
